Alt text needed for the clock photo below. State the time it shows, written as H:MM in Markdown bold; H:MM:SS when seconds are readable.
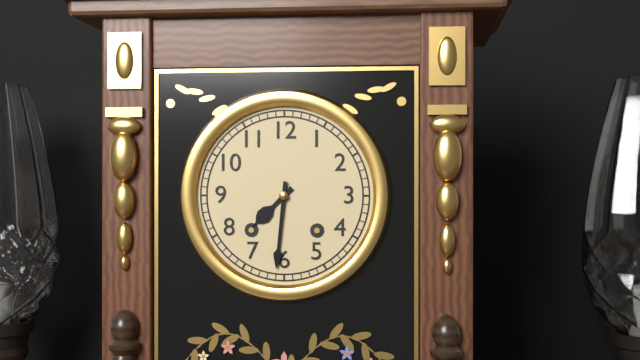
**7:31**
